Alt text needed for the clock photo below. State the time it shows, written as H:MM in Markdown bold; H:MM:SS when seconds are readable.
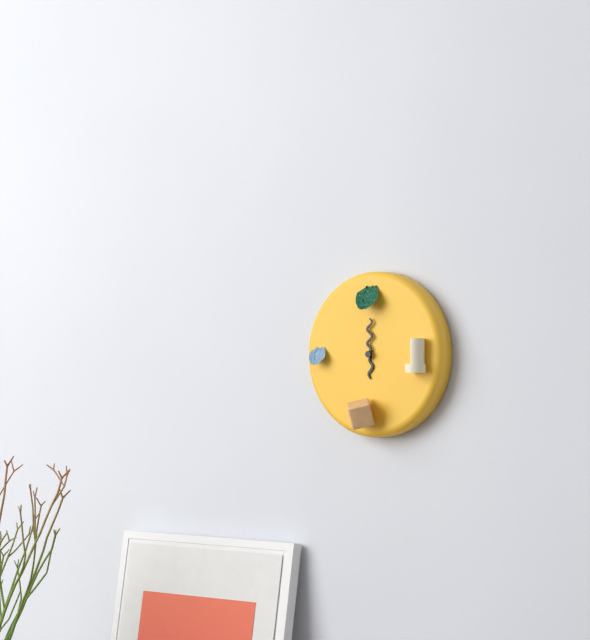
**6:00**
